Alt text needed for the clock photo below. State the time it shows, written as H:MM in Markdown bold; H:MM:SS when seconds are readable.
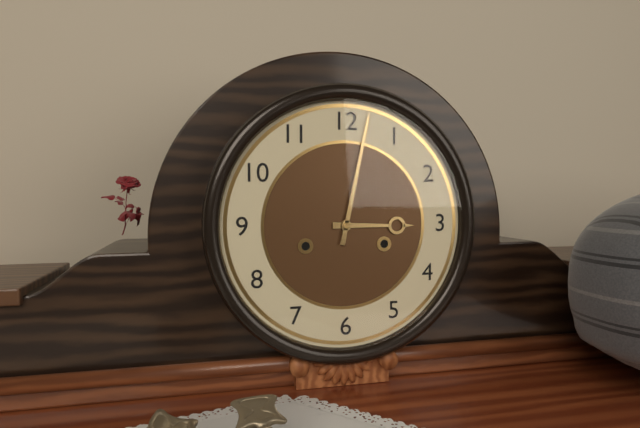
**3:02**
